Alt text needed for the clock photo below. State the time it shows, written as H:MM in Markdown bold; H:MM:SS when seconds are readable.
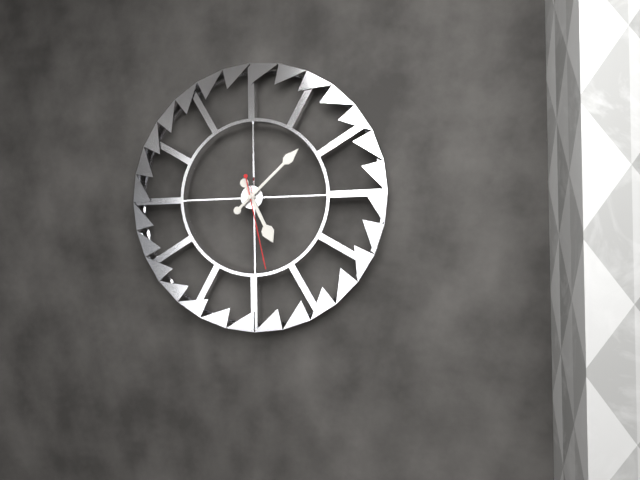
**5:08:28**
